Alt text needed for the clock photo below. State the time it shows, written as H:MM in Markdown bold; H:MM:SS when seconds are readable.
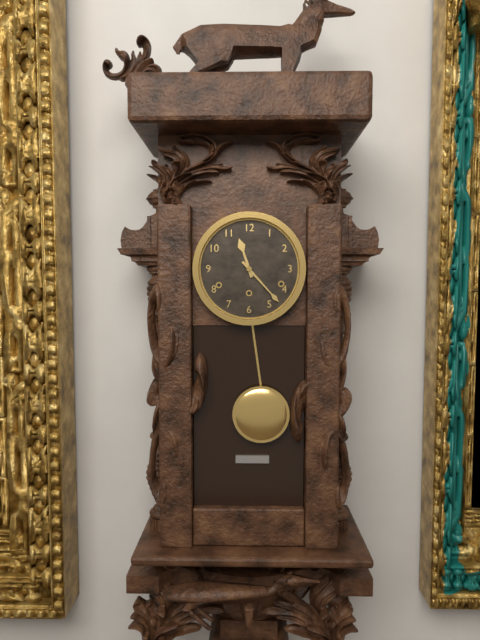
**11:23**
